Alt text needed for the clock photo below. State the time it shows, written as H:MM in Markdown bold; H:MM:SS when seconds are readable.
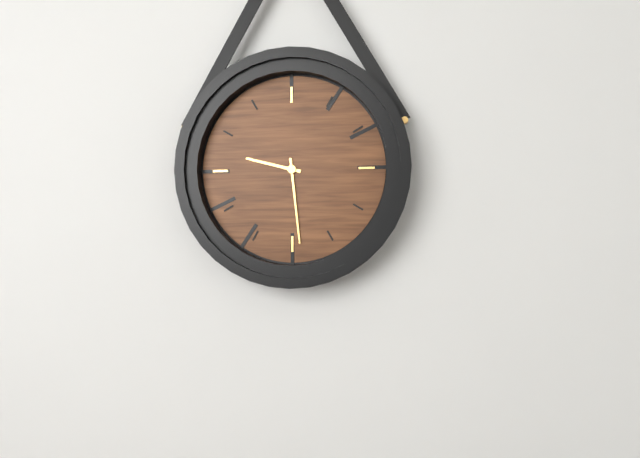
**9:29**
